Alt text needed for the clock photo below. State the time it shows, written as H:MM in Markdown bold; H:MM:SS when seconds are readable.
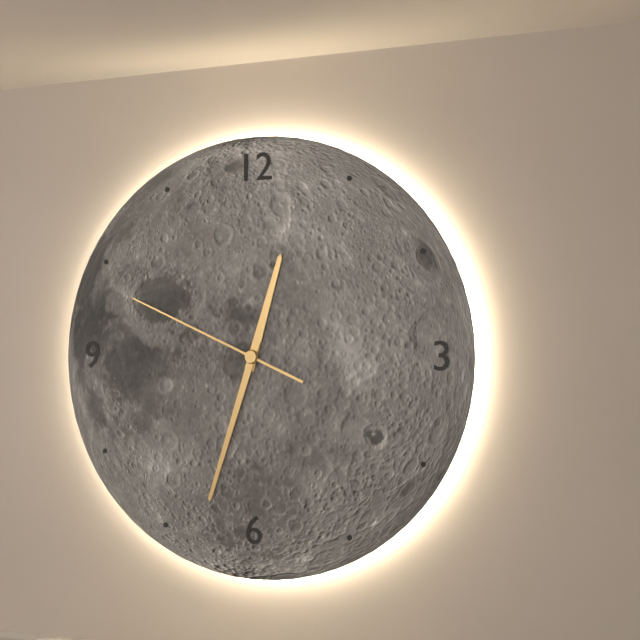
**12:33:49**
